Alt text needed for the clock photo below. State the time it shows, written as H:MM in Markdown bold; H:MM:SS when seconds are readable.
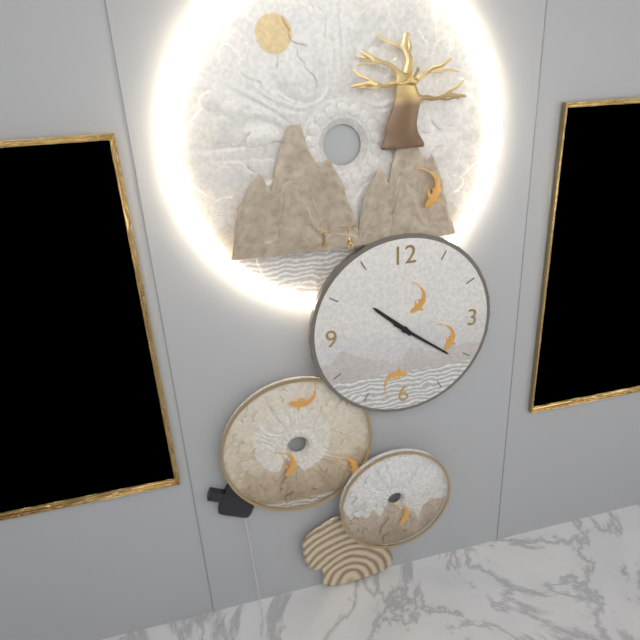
**10:21**
